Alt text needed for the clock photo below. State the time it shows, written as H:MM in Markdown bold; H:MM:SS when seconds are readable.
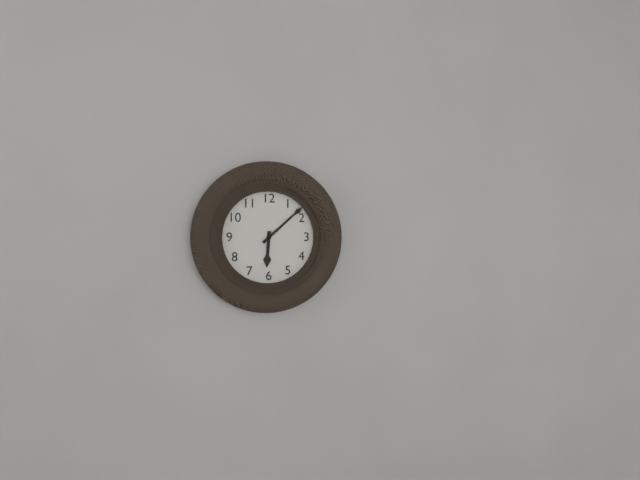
**6:08**
